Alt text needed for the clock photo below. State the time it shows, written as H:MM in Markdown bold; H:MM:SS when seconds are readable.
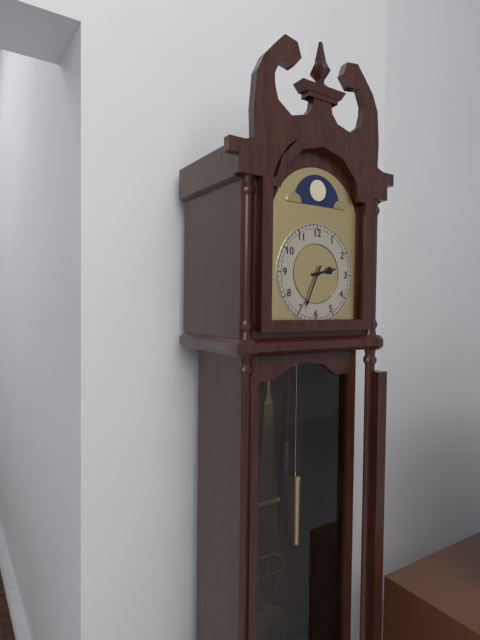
**2:34**
